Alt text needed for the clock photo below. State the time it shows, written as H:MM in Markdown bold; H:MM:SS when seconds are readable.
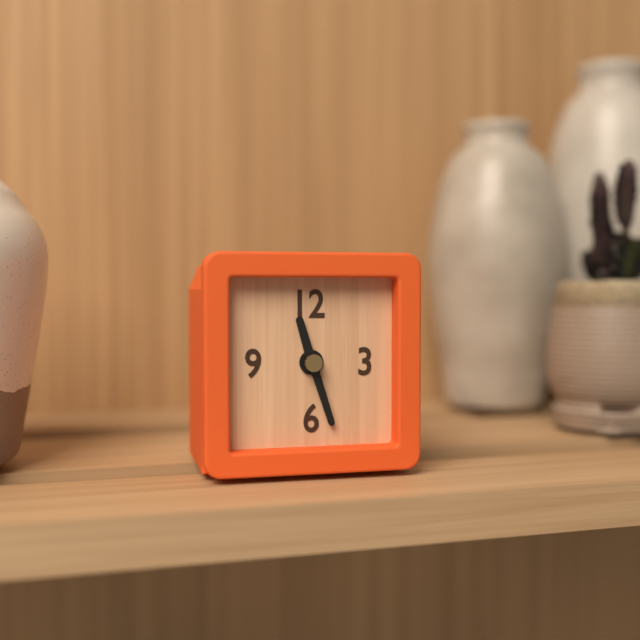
**11:27**
